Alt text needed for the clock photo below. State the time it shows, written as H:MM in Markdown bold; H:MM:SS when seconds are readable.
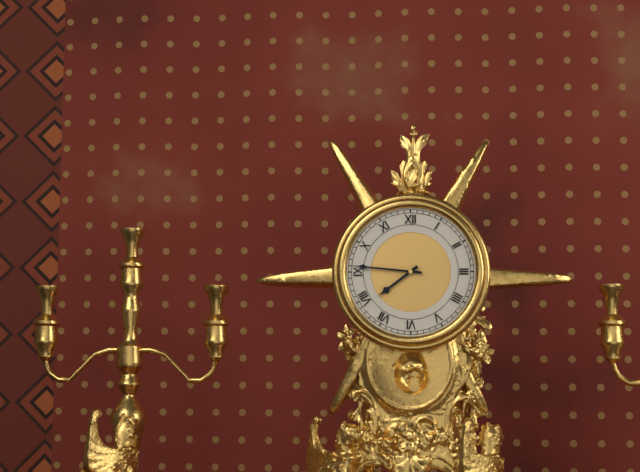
**7:46**
